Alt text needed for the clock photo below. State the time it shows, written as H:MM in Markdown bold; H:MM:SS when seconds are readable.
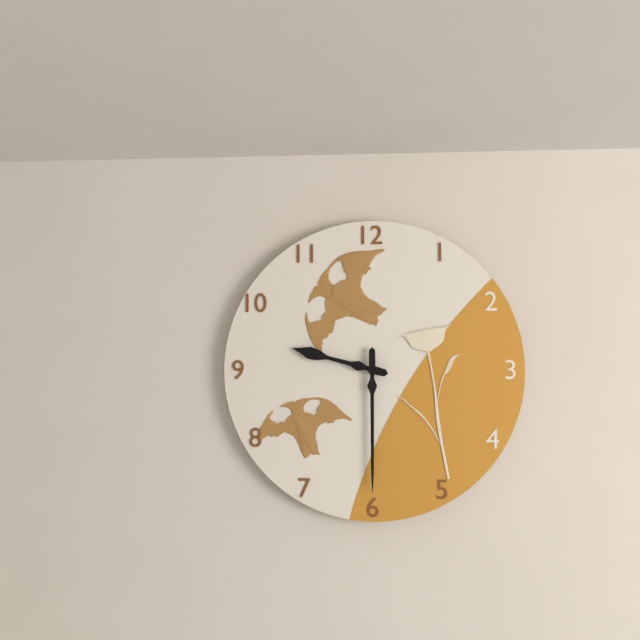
**9:30**
